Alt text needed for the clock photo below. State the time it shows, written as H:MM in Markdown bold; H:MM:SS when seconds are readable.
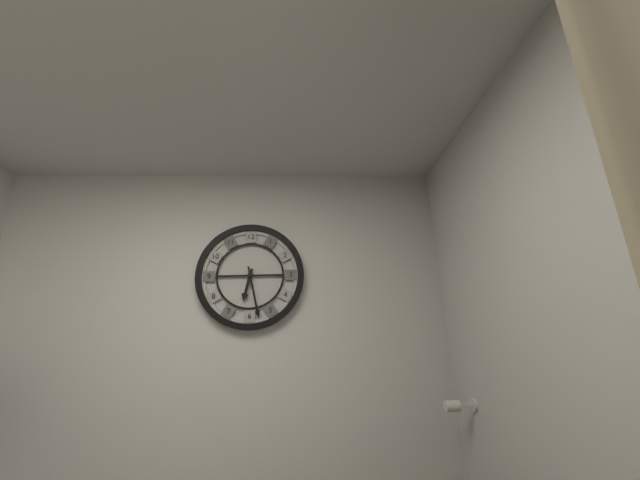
**6:28**
